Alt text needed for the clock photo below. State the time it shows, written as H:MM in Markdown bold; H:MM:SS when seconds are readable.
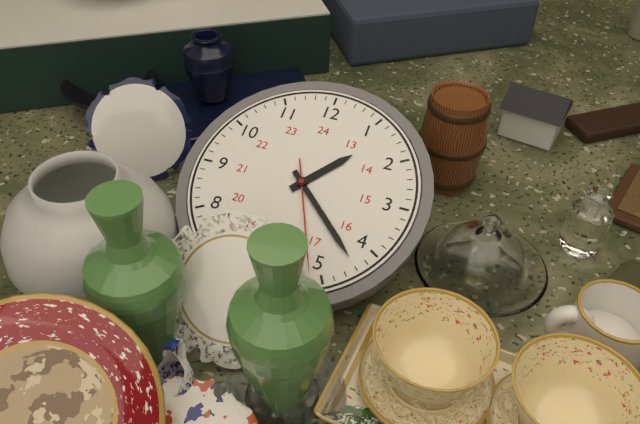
**1:22:26**
